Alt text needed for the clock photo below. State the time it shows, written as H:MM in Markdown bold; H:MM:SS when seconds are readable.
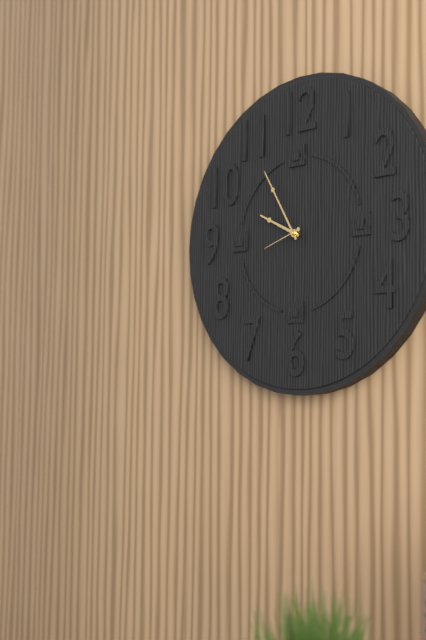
**9:55**
